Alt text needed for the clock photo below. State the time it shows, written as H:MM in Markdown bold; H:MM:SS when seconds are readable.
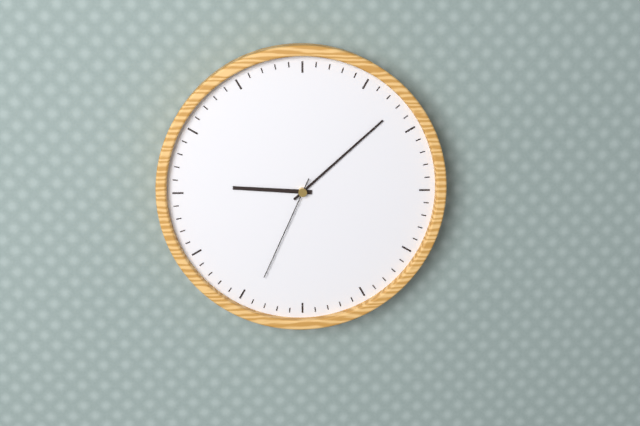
**9:08:34**
